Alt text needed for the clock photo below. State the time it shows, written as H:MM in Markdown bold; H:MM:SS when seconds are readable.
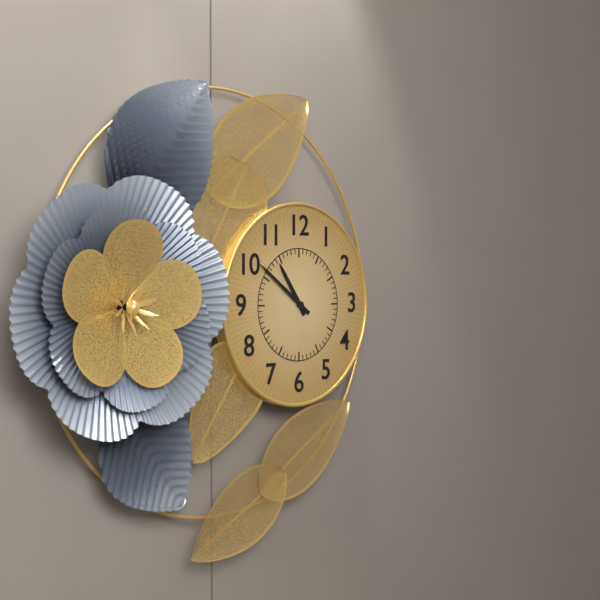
**10:51**
